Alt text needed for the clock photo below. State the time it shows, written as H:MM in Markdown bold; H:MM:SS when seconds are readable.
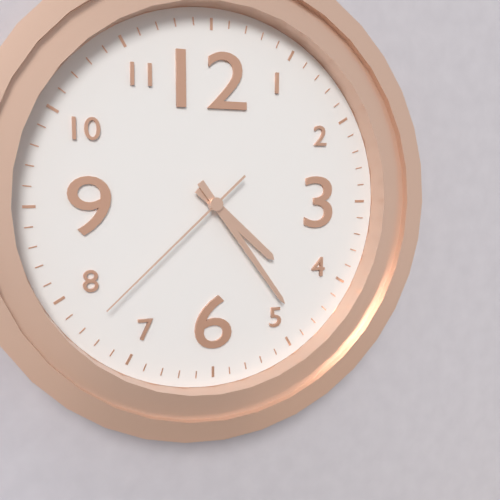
**4:24:38**
